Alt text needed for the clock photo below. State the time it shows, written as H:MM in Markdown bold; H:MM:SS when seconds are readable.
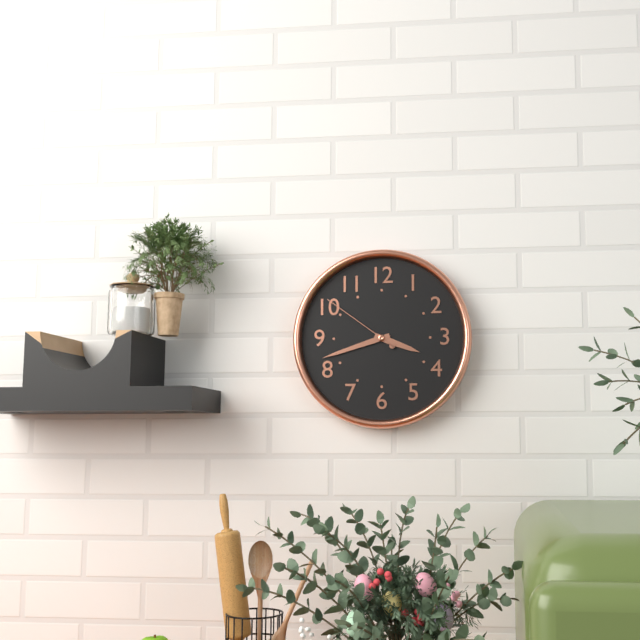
**3:42:51**
